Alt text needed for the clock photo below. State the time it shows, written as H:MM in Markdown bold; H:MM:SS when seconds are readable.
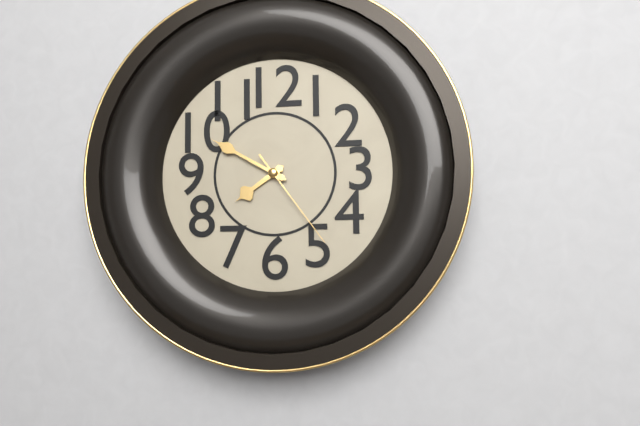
**7:50:24**
